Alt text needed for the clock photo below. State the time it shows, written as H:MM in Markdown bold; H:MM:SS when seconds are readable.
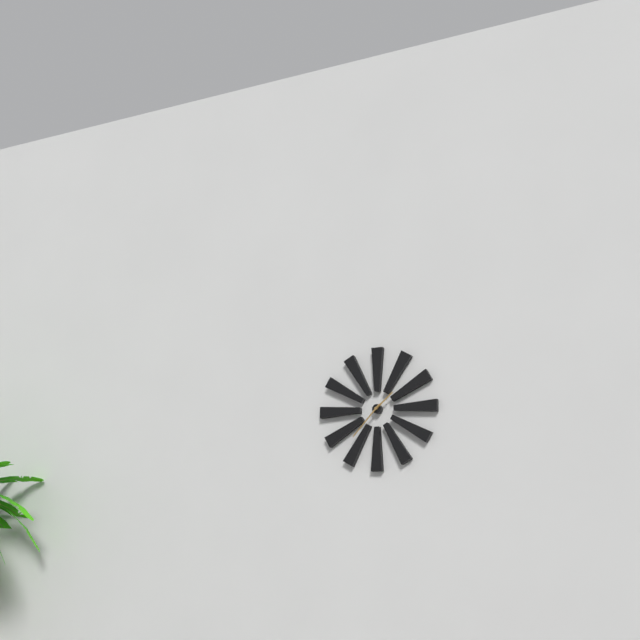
**1:37**
